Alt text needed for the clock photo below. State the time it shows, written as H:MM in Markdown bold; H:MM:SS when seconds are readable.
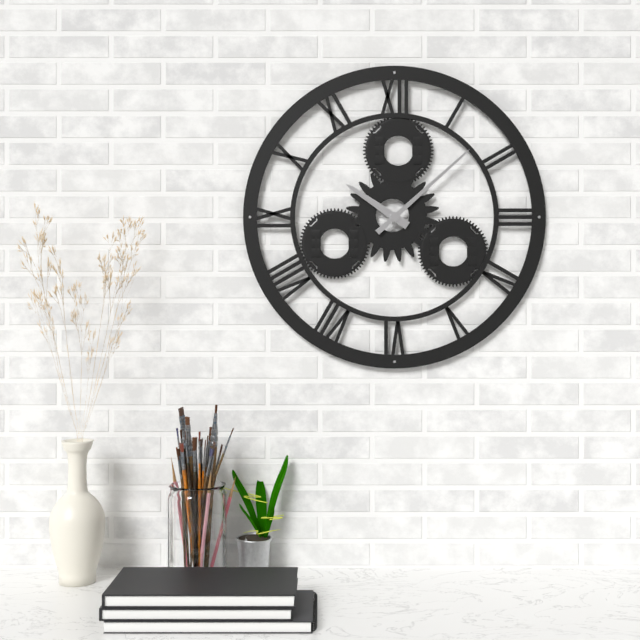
**10:08**
